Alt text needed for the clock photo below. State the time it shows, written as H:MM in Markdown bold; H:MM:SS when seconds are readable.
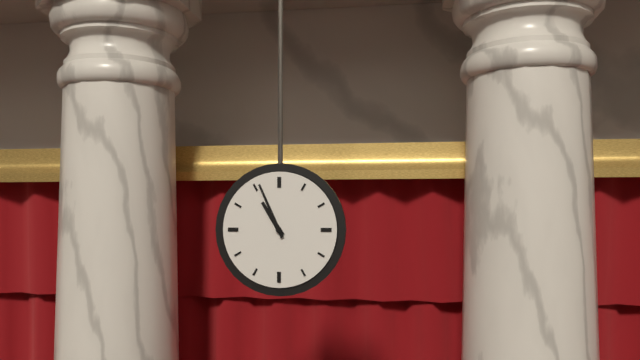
**10:56**
